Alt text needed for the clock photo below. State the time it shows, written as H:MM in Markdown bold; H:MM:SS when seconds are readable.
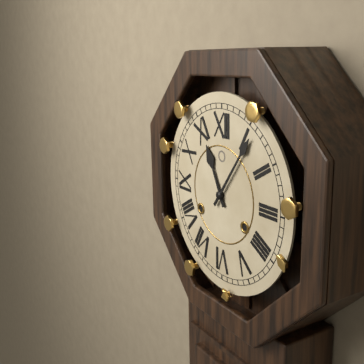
**11:06**
